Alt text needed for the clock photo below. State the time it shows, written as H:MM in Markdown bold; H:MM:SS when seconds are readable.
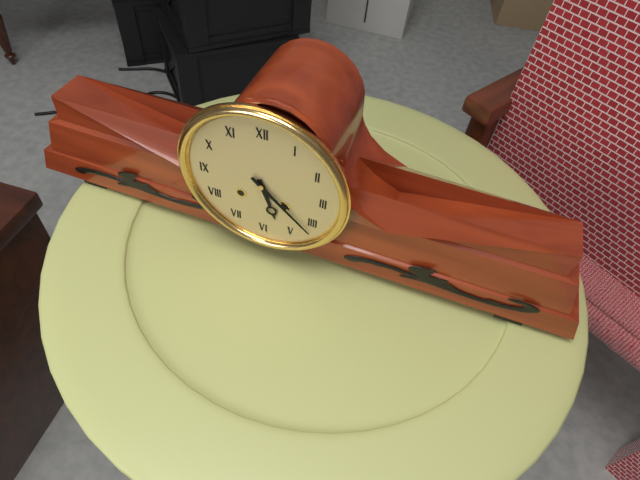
**5:22**
